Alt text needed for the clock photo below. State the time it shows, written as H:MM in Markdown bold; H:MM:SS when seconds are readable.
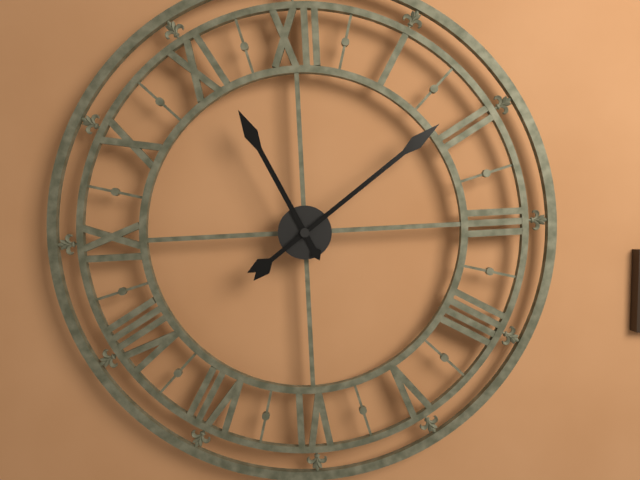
**11:09**
